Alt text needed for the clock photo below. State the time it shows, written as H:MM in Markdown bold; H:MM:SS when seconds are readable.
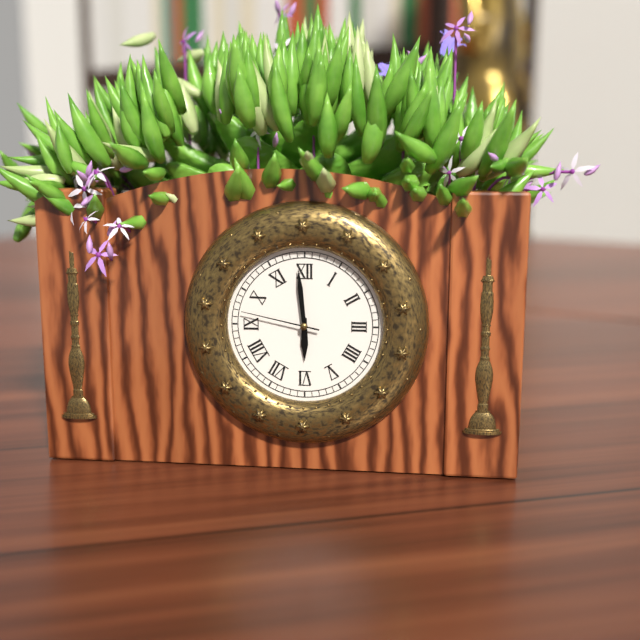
**5:59:47**
